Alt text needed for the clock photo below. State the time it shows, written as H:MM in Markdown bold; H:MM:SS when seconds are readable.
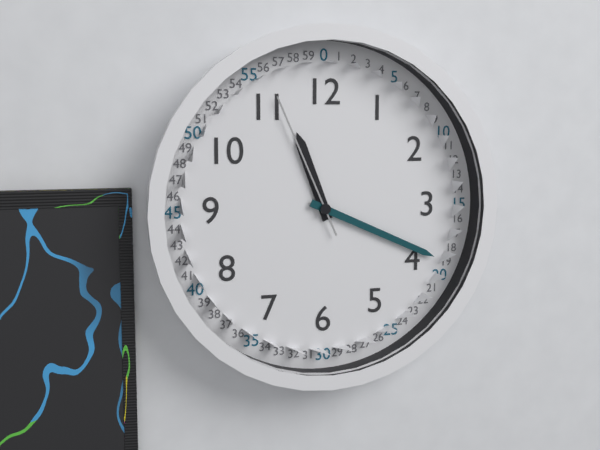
**11:19:56**
